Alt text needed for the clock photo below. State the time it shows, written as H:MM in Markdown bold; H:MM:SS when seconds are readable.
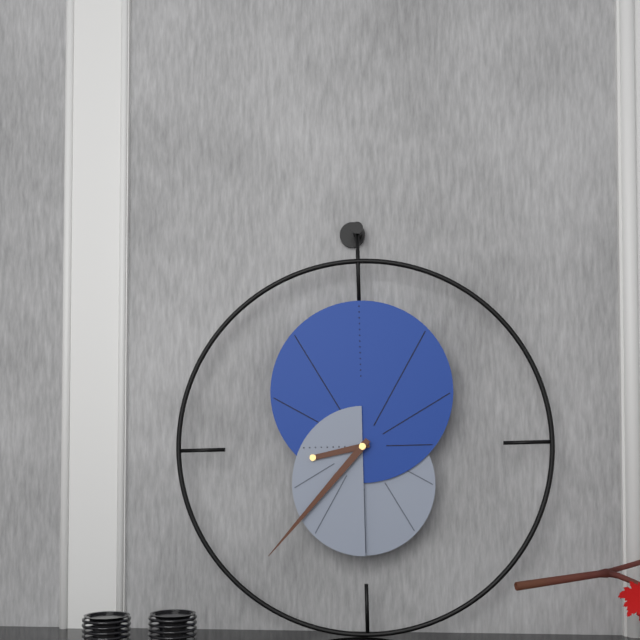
**8:37**
